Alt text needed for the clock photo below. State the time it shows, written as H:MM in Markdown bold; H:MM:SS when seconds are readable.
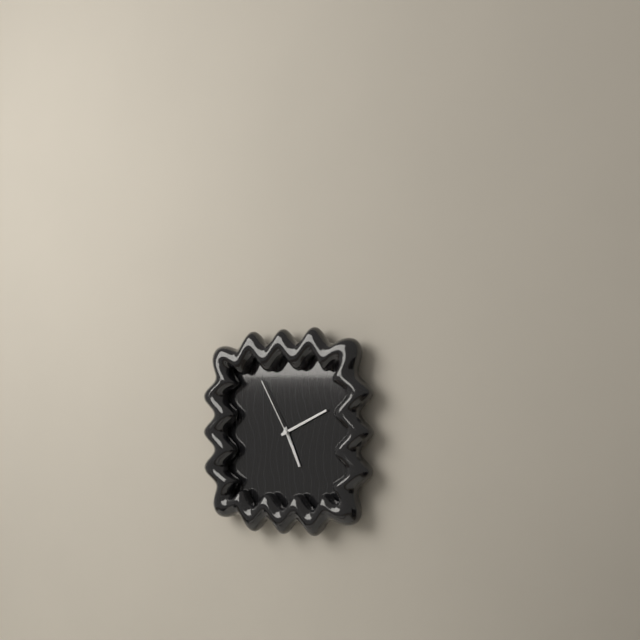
**5:11:55**
